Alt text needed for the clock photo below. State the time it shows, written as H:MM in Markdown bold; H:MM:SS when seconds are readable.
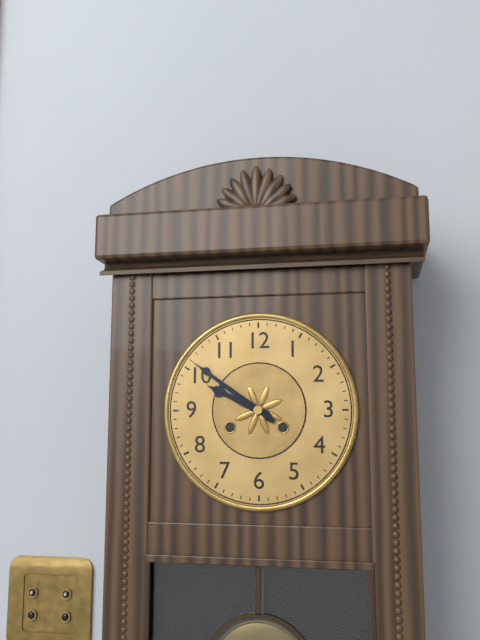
**9:51**
